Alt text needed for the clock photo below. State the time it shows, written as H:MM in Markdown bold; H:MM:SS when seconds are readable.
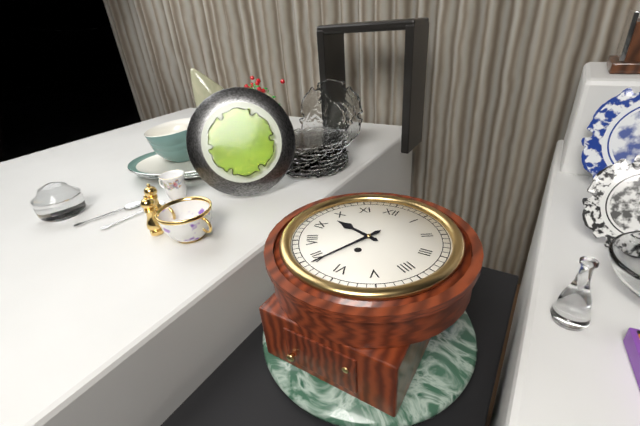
**9:34**
